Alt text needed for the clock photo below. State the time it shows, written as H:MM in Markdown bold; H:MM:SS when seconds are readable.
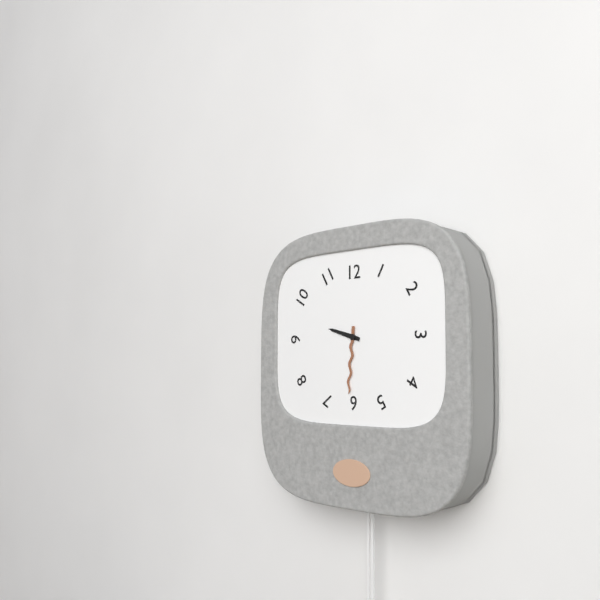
**9:31**
